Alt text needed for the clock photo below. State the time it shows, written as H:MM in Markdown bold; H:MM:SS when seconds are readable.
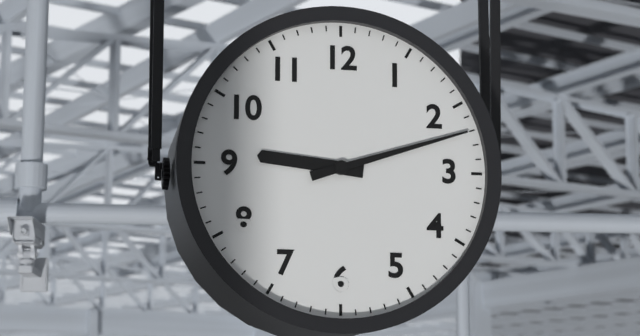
**9:12**
